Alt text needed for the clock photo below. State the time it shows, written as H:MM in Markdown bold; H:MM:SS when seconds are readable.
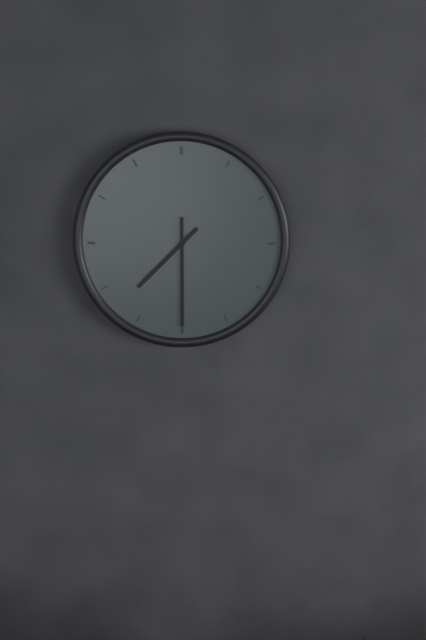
**7:30**
